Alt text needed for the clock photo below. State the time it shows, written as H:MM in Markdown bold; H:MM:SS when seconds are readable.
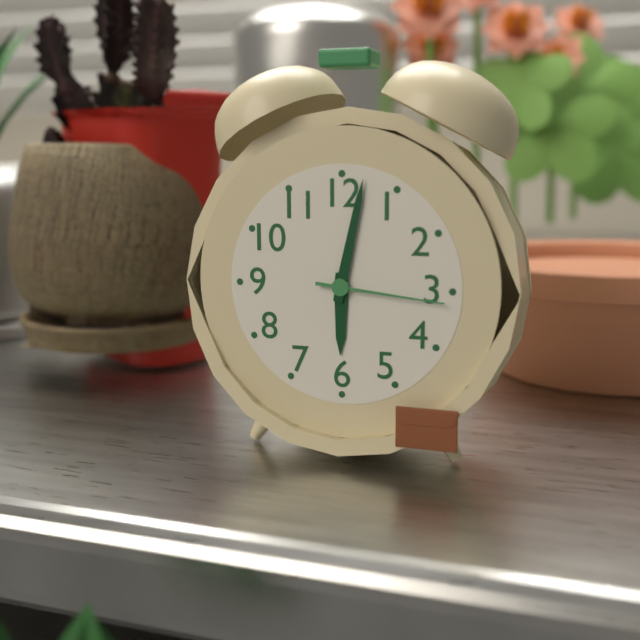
**6:02:16**
